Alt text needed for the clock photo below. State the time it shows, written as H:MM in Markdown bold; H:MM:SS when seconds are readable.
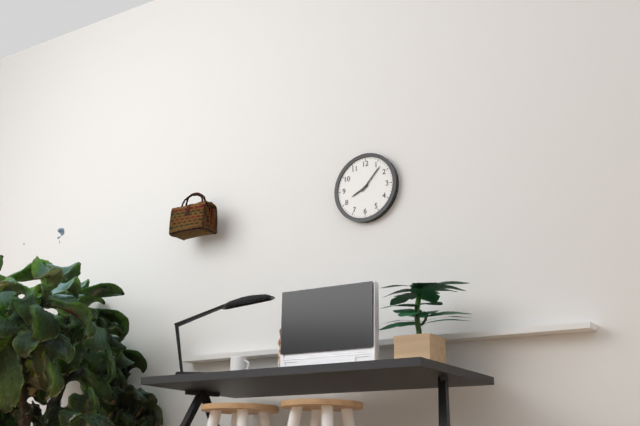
**8:07**
